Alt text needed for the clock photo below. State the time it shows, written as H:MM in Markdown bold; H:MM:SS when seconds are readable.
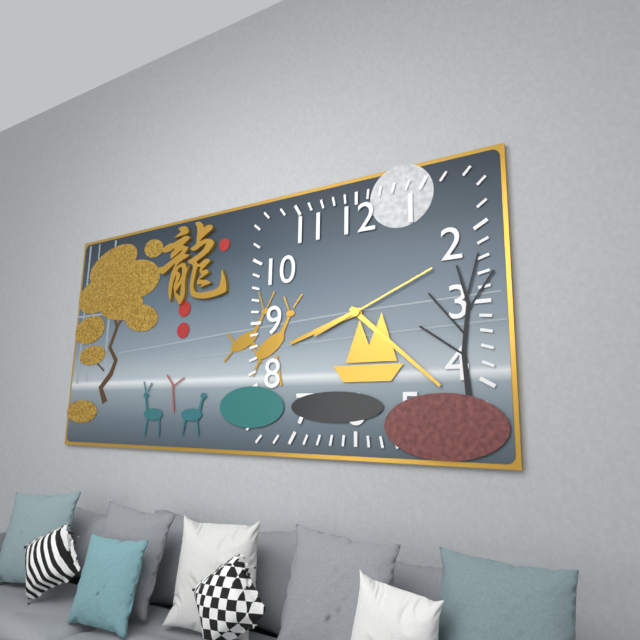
**8:22:11**
